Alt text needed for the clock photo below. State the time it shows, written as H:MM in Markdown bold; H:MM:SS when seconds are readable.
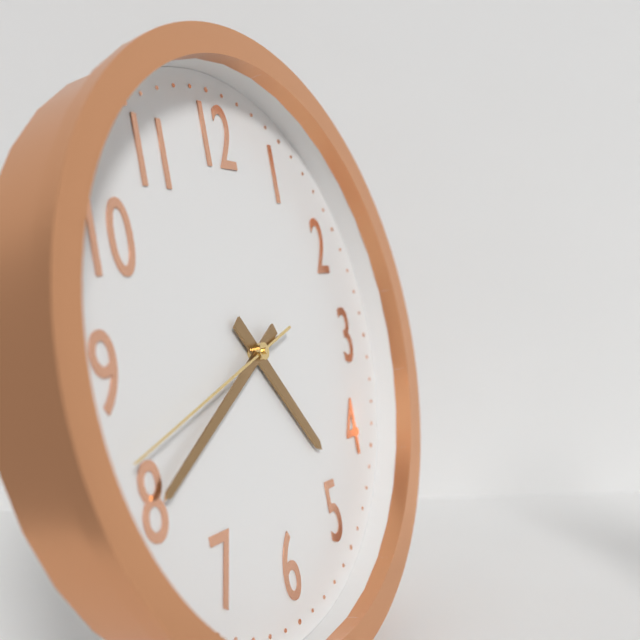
**4:40:42**
